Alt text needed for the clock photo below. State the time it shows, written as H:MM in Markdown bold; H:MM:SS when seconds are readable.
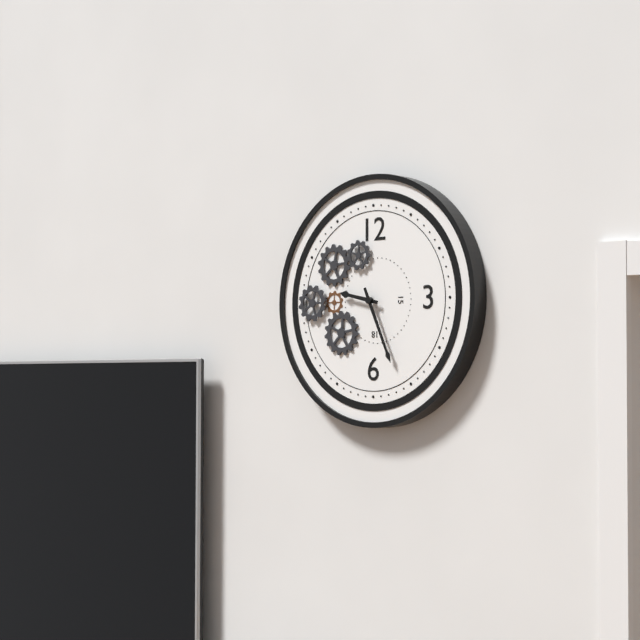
**9:26**
